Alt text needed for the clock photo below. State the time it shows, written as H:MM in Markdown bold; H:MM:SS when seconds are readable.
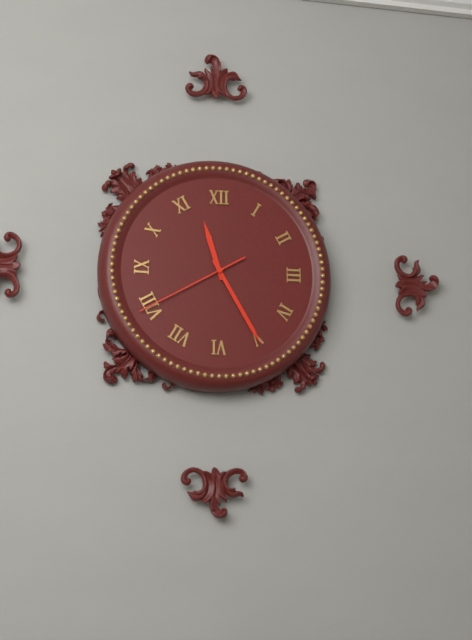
**11:25:40**
